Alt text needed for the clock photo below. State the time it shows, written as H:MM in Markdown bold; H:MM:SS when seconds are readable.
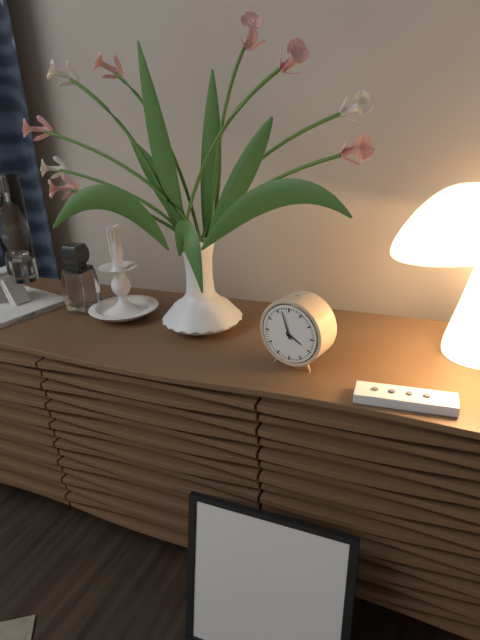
**3:57**
